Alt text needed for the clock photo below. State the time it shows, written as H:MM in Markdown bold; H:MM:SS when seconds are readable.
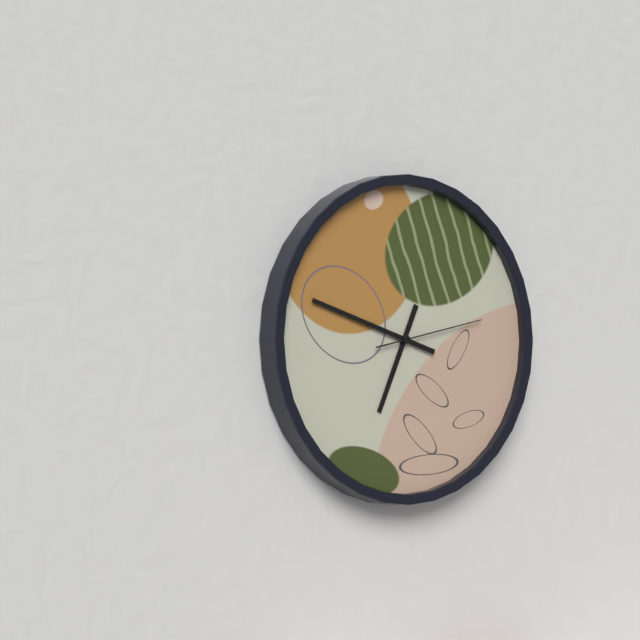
**6:48:13**
